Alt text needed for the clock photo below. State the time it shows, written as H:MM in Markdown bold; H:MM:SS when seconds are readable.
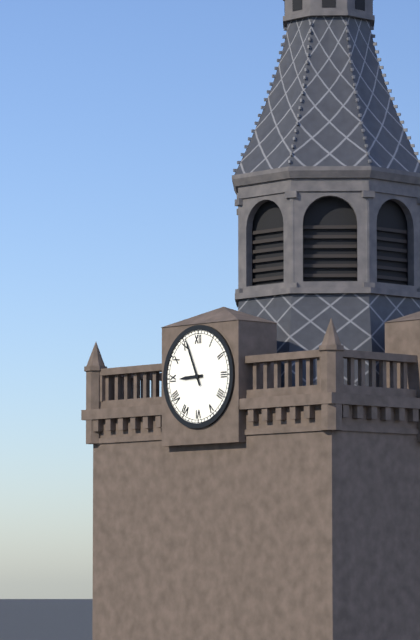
**8:56**
